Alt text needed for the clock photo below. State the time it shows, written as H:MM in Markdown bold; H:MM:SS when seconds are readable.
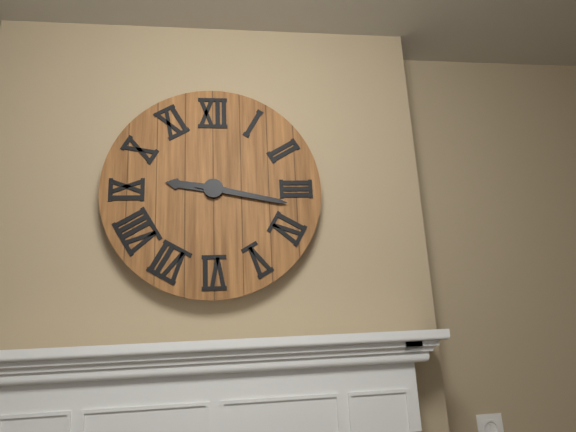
**9:17**
